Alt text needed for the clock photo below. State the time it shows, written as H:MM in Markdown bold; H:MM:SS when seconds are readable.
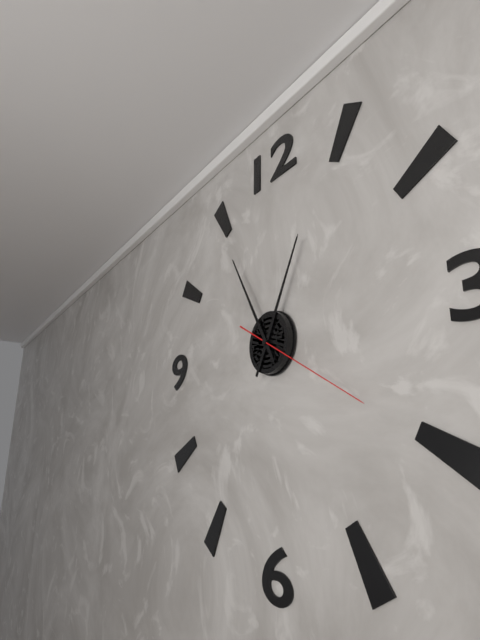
**12:55:20**
